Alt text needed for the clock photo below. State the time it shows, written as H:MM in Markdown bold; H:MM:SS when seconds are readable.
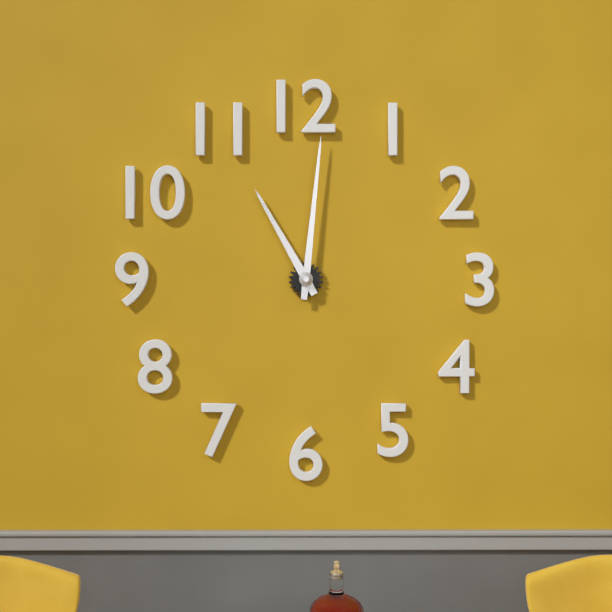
**11:01**
